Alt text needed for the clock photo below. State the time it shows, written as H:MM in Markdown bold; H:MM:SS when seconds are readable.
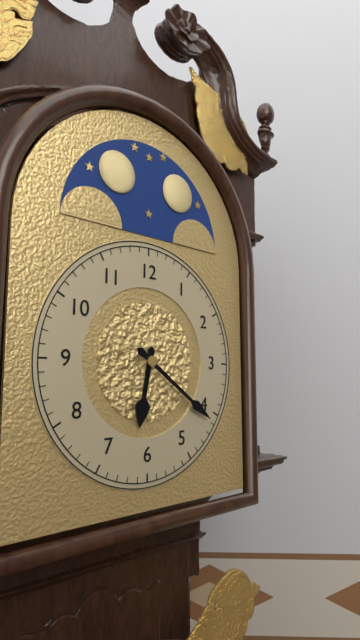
**6:21**
